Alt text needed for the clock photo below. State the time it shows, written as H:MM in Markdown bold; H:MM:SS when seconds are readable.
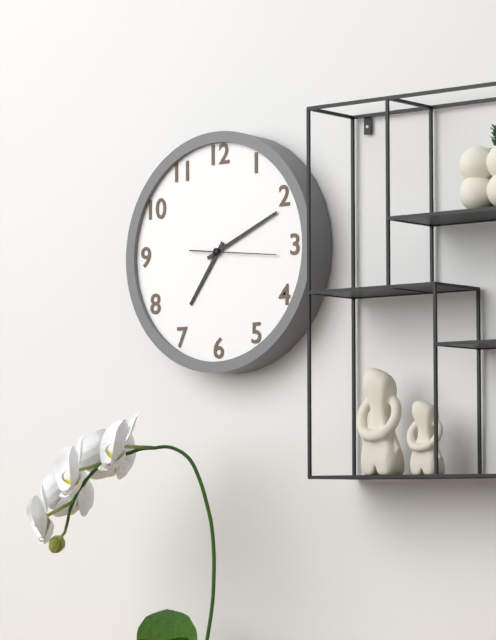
**7:11:16**
